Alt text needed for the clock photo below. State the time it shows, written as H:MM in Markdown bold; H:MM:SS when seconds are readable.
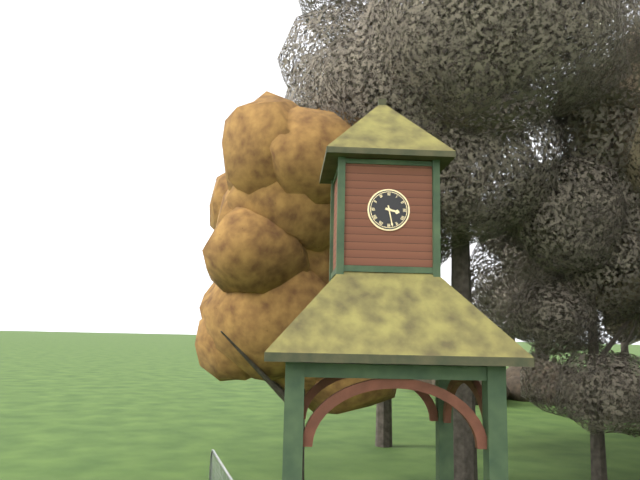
**3:28**
